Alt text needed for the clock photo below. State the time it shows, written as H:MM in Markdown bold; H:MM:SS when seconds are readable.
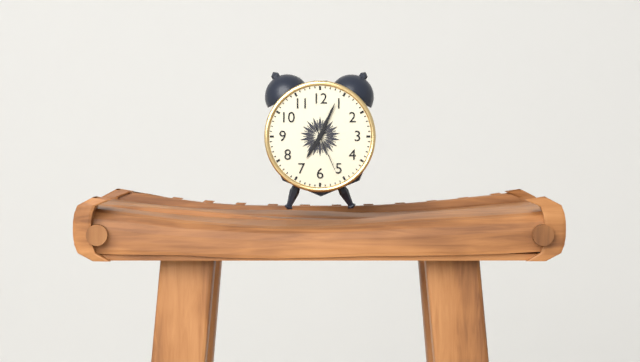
**7:04:26**
